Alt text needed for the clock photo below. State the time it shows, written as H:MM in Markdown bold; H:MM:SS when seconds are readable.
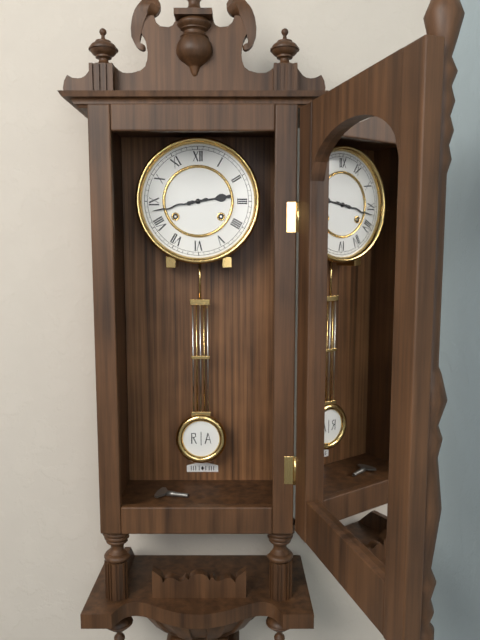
**2:43**
